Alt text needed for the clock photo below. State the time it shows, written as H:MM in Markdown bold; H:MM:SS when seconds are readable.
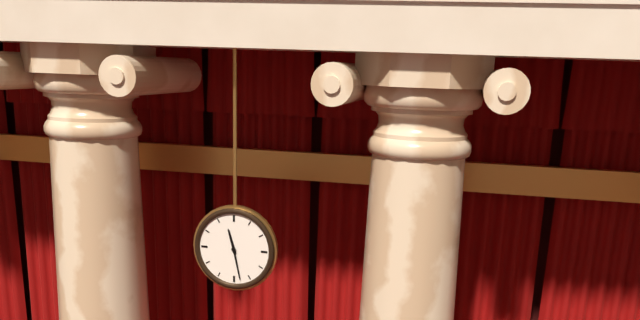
**11:28**
